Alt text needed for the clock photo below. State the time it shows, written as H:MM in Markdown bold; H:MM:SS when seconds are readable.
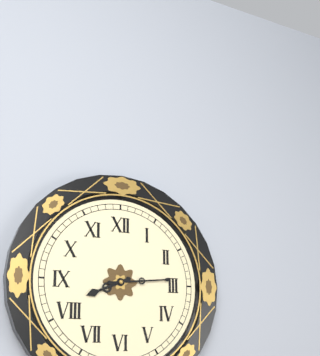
**8:14**
